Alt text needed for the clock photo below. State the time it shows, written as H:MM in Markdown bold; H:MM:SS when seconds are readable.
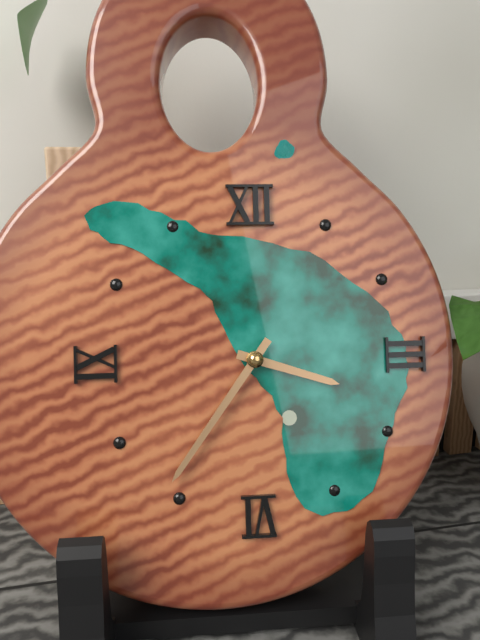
**3:36**
